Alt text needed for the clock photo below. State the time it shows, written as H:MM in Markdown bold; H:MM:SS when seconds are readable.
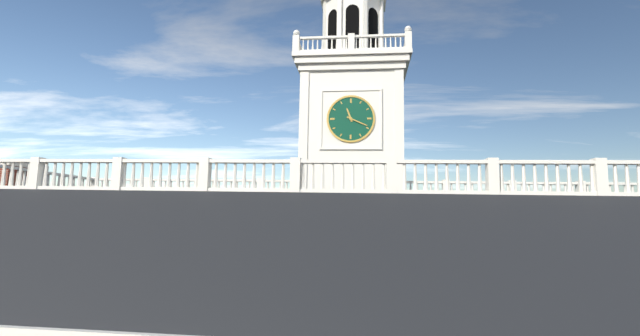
**11:19**
